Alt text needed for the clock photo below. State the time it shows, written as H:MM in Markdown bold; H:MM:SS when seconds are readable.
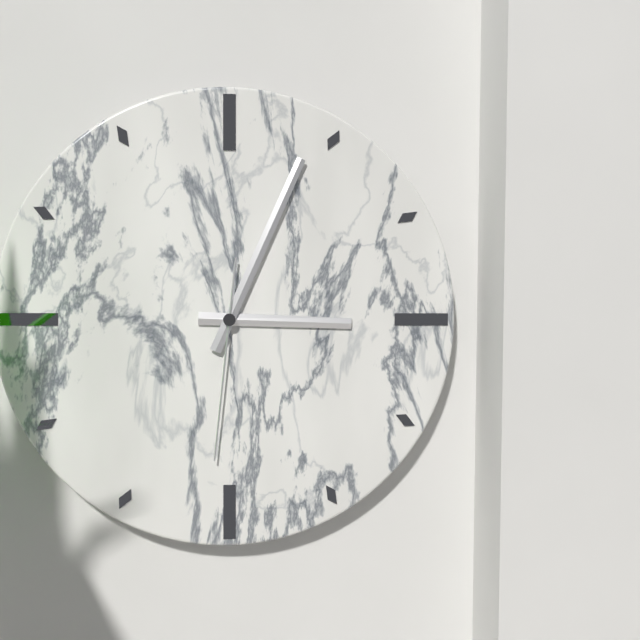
**3:04:31**
